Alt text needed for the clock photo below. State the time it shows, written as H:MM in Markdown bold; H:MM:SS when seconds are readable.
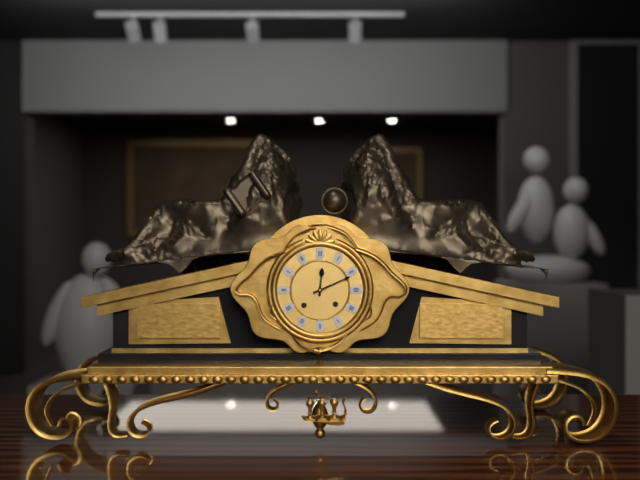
**12:11**
